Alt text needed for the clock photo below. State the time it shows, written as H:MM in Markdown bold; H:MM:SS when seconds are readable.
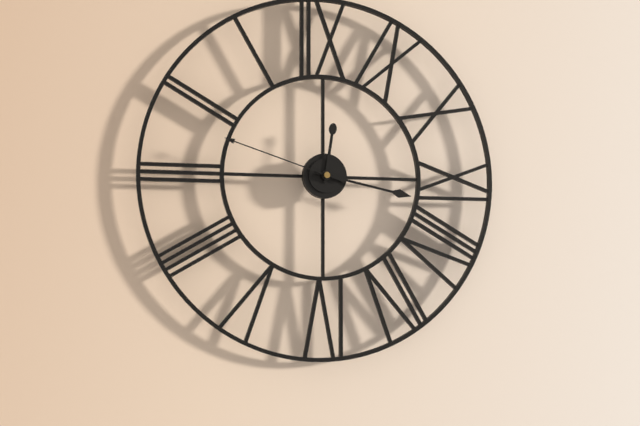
**12:17:48**
